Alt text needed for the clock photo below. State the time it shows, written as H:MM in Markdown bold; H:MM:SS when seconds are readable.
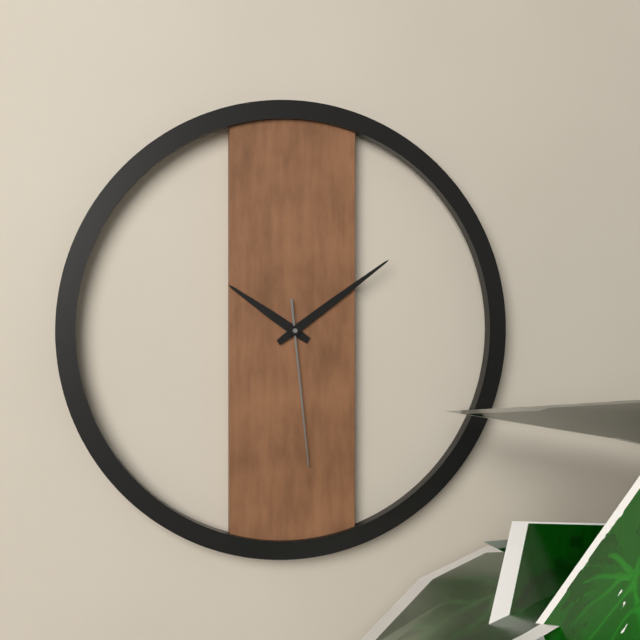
**10:09:29**
